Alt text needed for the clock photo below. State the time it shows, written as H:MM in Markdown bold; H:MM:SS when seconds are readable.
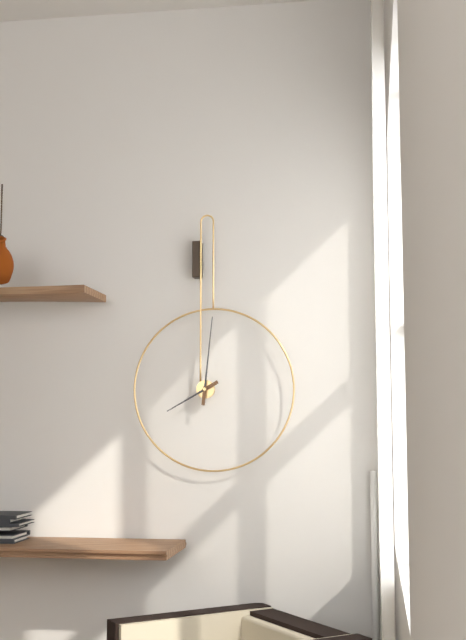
**8:01**
